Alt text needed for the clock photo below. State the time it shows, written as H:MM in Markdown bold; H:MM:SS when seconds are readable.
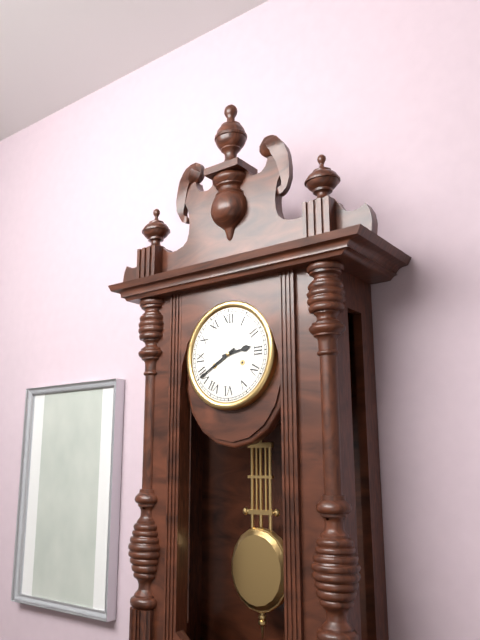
**2:40**
